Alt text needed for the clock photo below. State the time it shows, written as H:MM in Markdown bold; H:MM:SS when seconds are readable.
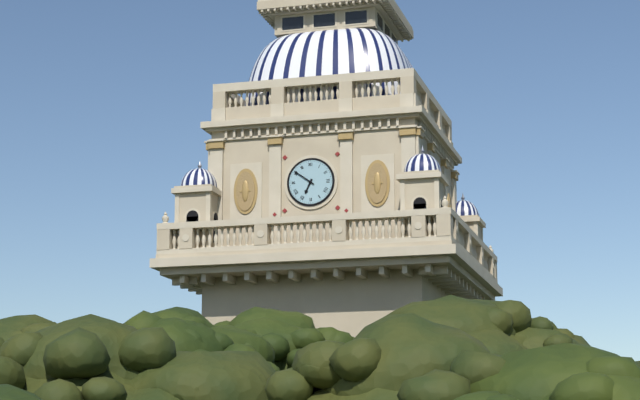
**6:51**
